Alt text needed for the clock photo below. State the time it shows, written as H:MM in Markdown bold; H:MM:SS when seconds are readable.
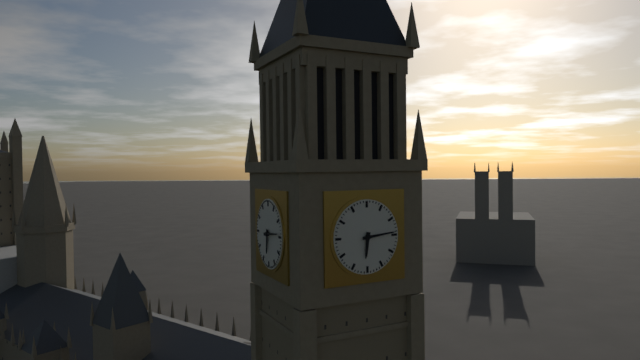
**6:14**
